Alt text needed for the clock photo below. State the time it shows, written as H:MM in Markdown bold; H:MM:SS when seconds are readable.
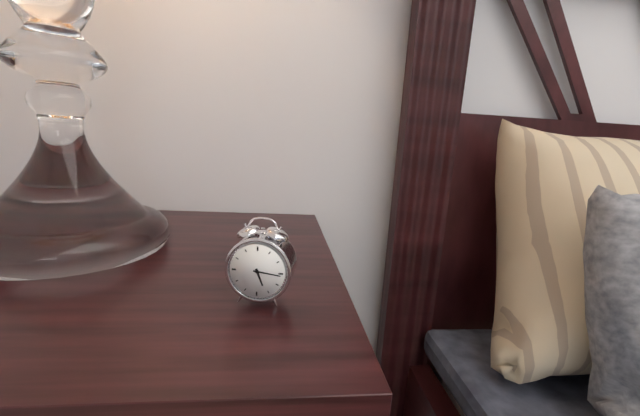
**5:16**
